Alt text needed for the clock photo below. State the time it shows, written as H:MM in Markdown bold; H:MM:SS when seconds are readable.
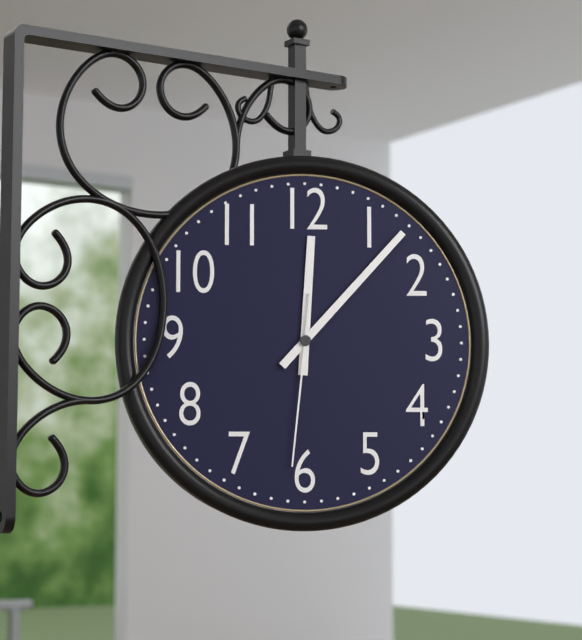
**12:07:31**
